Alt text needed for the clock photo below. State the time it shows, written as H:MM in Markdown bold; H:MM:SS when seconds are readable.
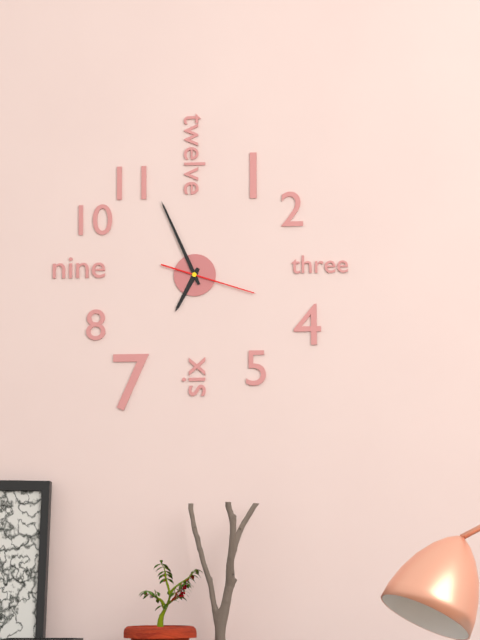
**6:56:18**
